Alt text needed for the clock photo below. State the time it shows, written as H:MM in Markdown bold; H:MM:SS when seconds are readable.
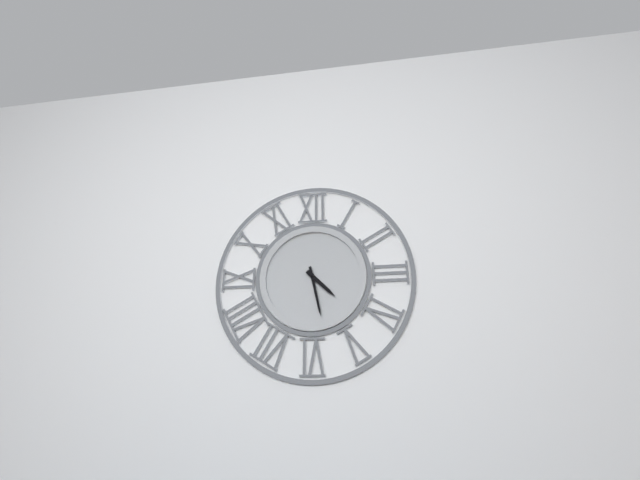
**4:28**
